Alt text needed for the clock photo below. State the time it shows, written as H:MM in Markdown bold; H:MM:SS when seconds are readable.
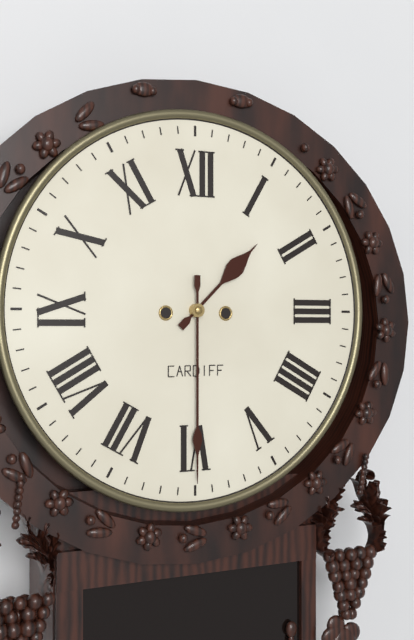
**1:30**
